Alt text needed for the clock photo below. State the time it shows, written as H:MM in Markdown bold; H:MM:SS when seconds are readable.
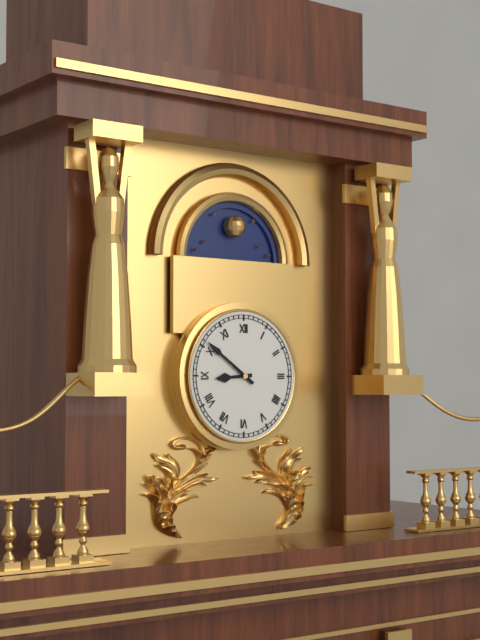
**8:51**
